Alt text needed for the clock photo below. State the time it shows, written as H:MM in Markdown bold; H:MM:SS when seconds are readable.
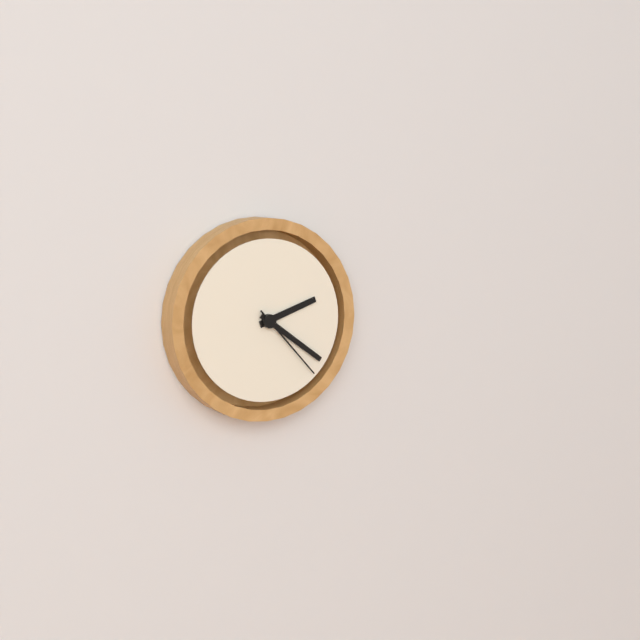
**2:21:23**
